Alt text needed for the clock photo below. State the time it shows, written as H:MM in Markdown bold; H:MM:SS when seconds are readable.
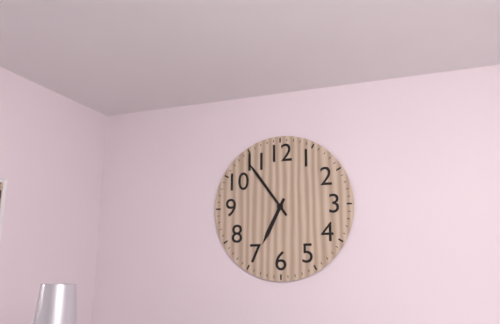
**6:54**
